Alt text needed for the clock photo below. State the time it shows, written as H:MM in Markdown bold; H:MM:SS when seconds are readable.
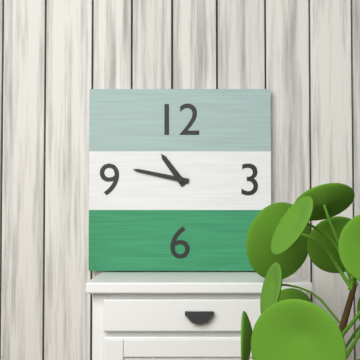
**10:47**
